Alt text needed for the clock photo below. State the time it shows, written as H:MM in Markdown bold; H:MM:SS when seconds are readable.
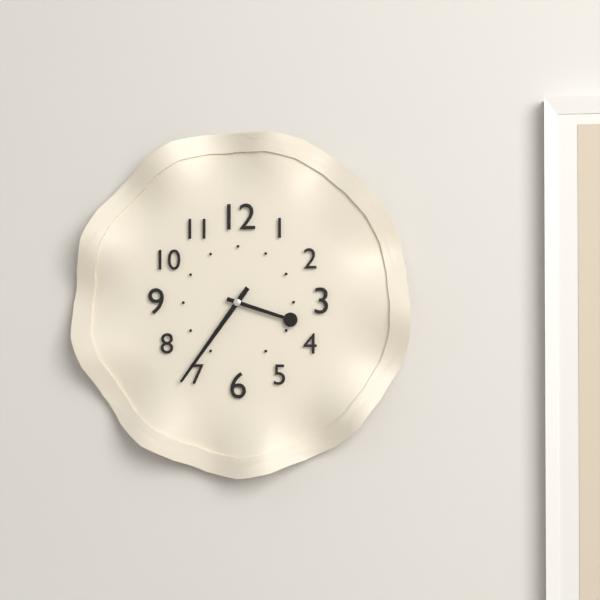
**3:36**
